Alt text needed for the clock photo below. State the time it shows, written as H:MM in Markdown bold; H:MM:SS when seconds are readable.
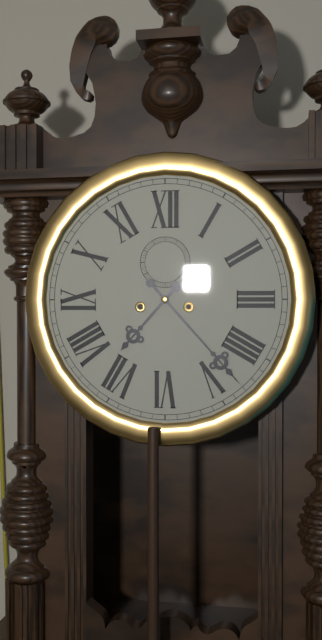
**7:23**
